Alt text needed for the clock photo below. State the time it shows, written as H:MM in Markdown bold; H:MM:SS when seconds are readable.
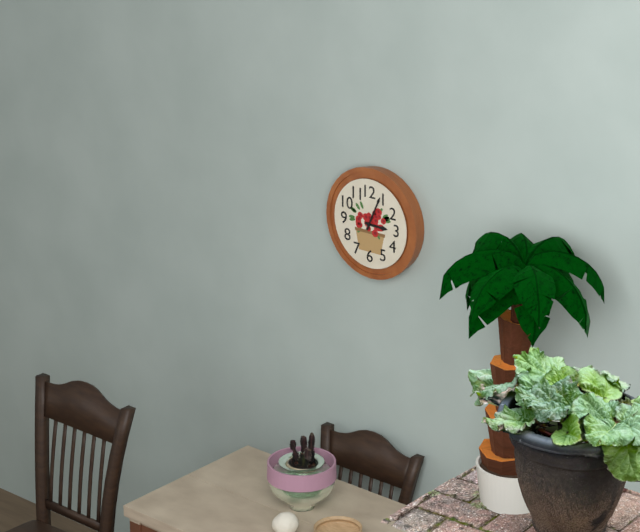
**3:04**
